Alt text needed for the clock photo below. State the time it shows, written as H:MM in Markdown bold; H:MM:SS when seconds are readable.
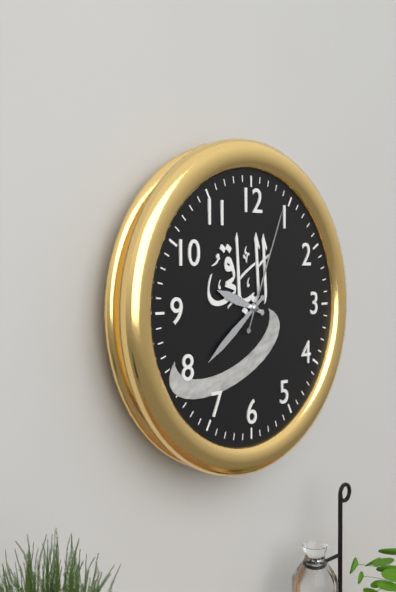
**9:39:04**
